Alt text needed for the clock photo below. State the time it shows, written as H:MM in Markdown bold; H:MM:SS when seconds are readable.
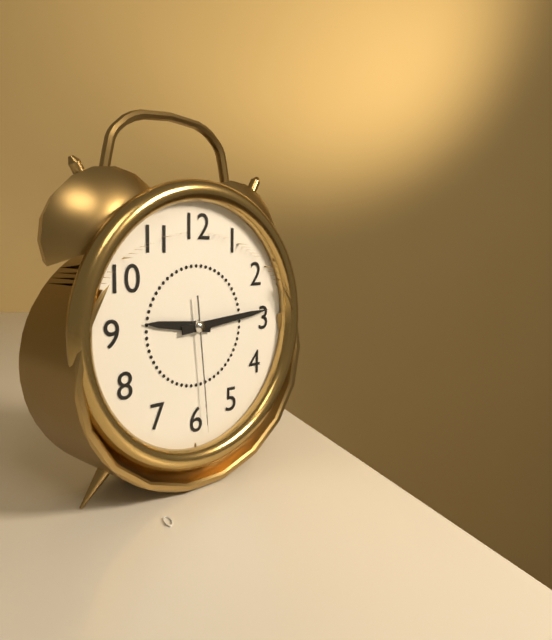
**9:14:29**
